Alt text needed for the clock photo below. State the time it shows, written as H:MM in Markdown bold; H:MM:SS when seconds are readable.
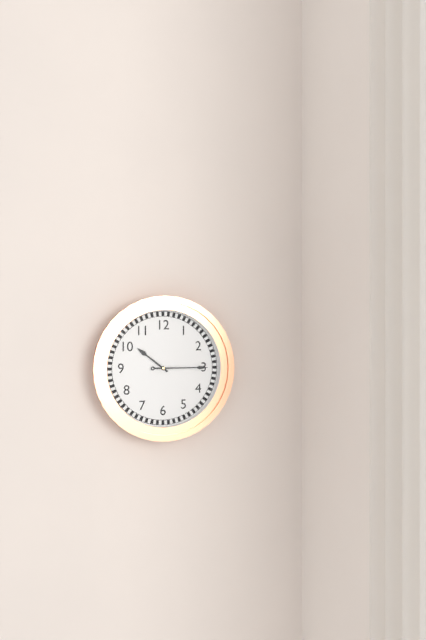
**10:15**
